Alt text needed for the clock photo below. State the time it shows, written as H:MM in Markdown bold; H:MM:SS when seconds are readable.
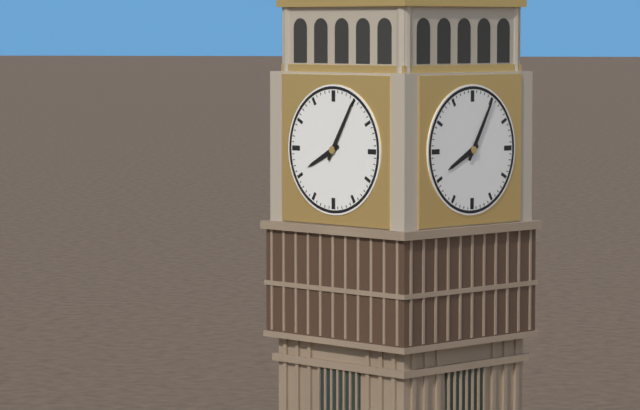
**8:05**
